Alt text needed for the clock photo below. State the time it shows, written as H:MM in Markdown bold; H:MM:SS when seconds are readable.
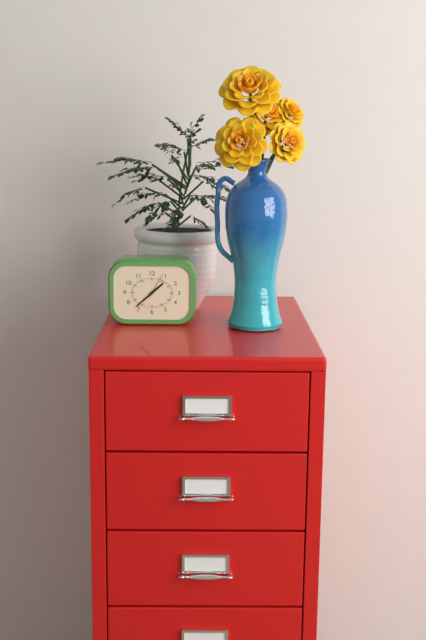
**1:38**
